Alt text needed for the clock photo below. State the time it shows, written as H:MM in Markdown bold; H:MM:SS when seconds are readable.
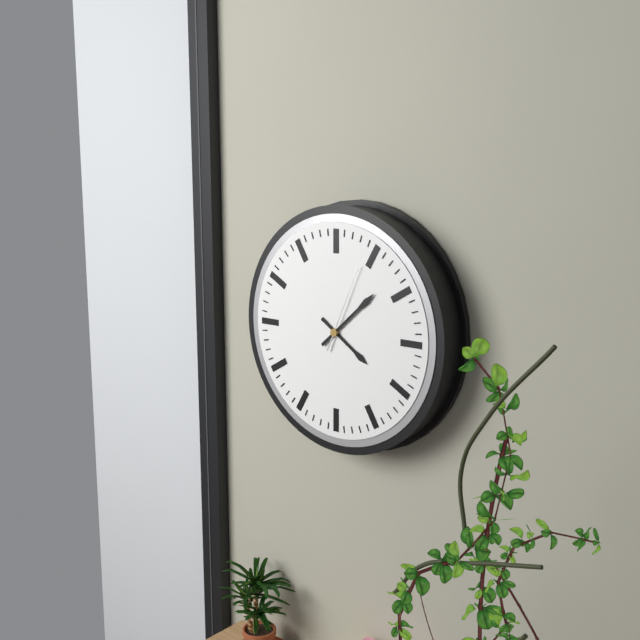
**4:08:04**
